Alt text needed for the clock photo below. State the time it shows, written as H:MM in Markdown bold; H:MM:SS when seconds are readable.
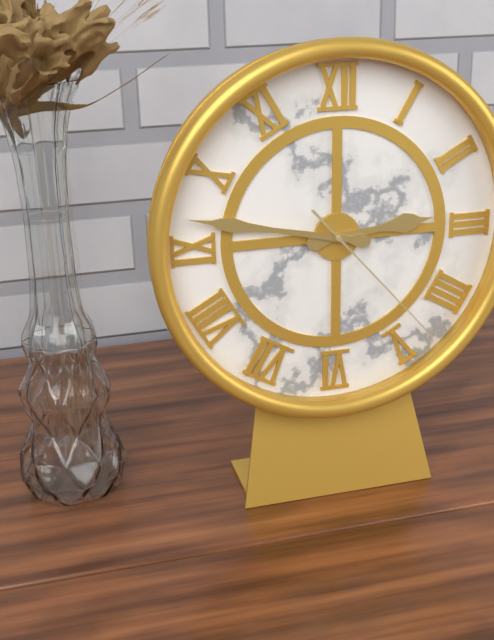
**2:47:23**
